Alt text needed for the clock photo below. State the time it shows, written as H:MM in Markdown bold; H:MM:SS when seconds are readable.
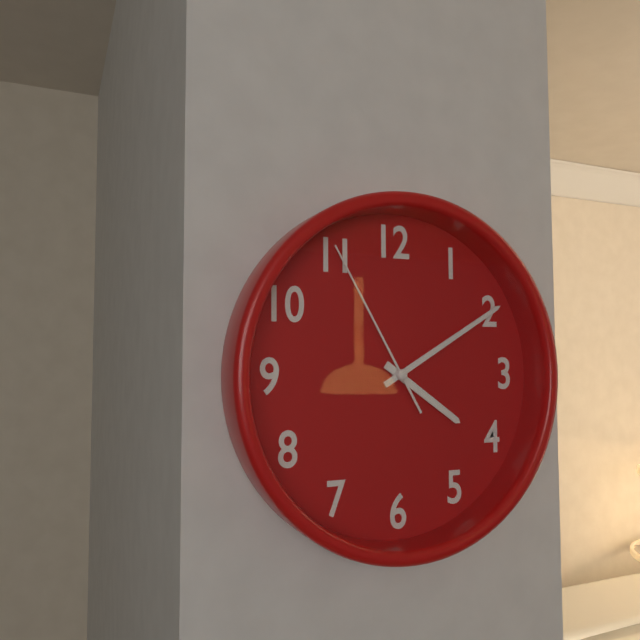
**4:10:55**
